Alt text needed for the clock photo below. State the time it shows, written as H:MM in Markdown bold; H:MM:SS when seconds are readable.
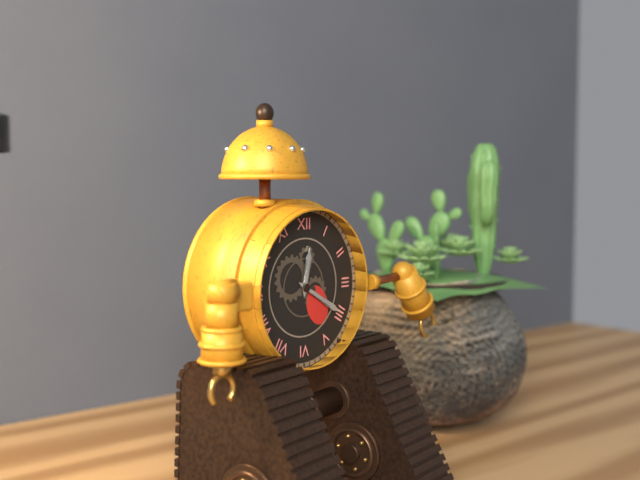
**12:20**
